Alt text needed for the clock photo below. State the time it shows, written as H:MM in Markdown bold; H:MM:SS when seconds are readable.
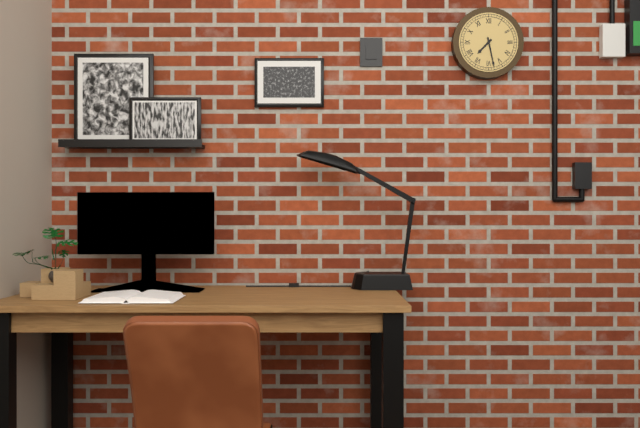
**7:28**
